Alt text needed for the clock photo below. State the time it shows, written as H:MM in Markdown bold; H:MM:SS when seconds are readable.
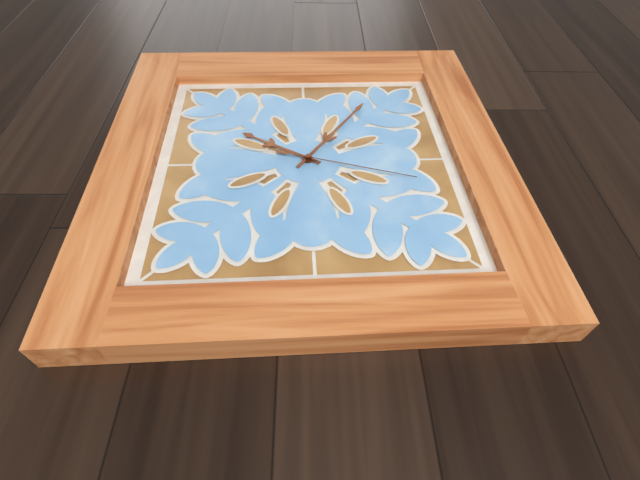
**10:06:18**
